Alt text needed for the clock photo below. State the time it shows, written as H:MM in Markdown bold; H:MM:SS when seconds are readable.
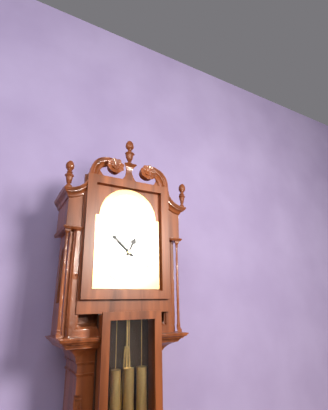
**12:52**
